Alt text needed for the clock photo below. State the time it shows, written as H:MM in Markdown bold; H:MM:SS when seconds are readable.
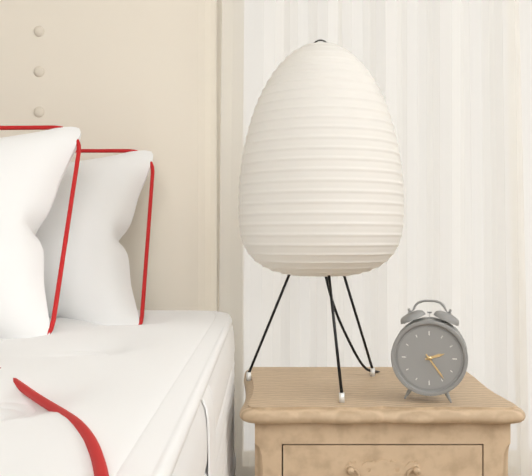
**2:24**
